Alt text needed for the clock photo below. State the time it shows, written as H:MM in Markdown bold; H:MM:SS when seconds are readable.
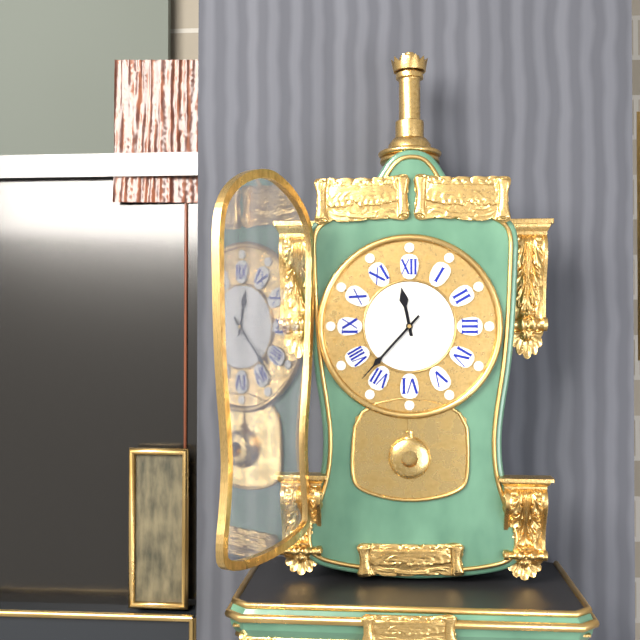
**11:37**
